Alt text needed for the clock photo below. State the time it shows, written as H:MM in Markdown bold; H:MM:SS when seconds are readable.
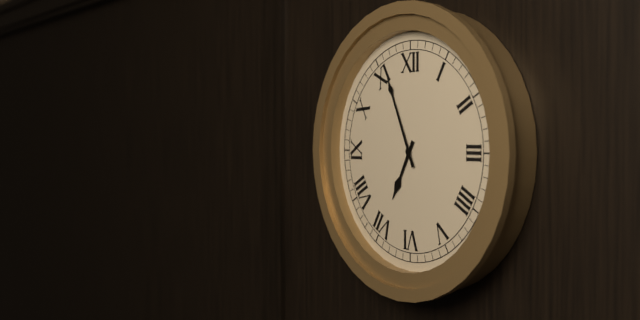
**6:56**
